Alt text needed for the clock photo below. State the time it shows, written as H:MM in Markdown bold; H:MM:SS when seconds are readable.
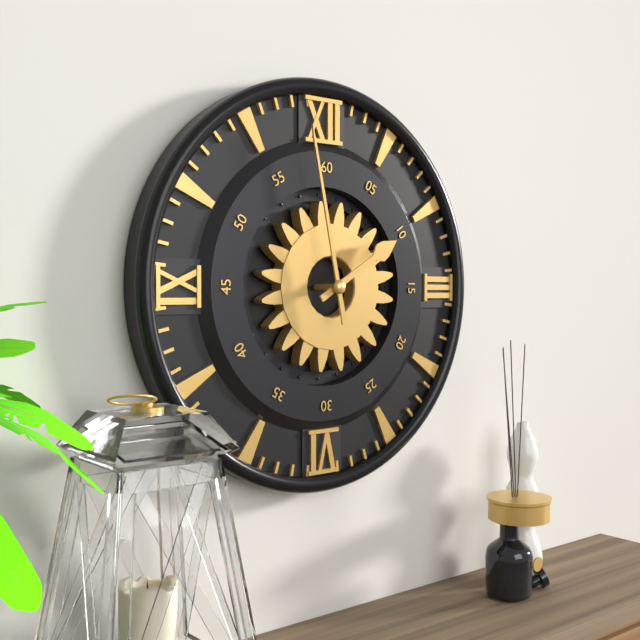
**1:58**
